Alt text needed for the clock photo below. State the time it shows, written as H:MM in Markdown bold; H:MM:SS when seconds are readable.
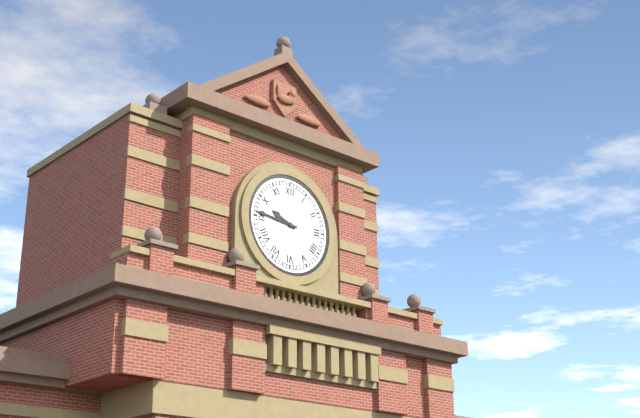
**9:46**
